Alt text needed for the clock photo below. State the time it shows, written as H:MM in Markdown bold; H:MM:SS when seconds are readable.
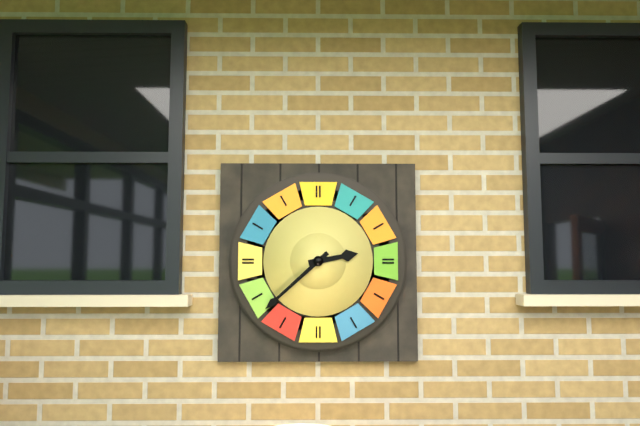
**2:38**
